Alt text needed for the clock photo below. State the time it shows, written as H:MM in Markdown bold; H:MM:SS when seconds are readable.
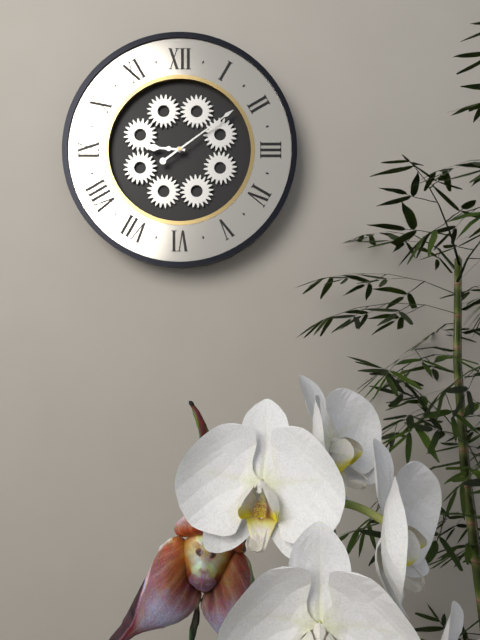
**9:09**
